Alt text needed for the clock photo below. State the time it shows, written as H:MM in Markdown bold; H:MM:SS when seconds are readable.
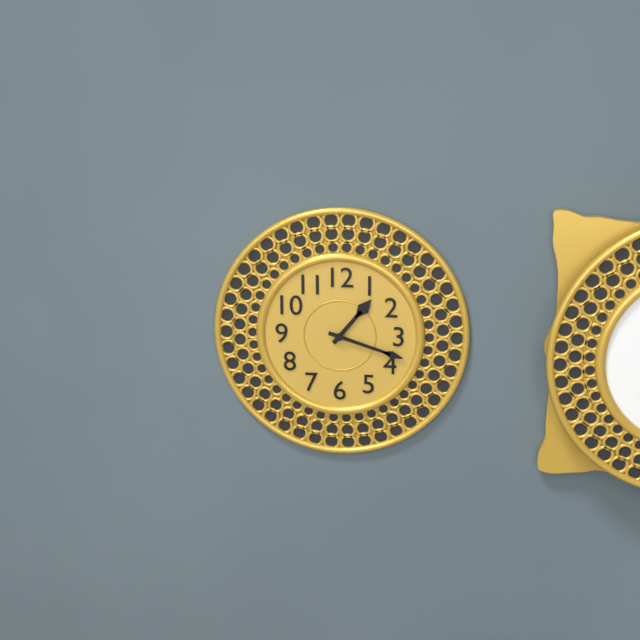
**1:18**
